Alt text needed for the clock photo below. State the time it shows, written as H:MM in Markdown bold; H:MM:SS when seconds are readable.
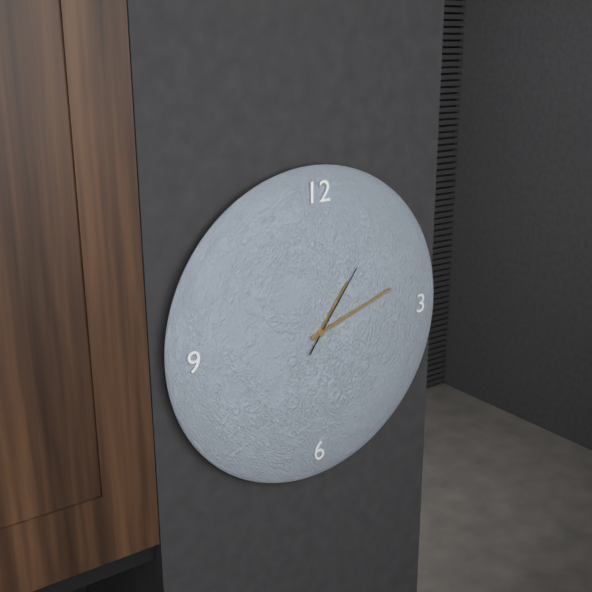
**1:12:06**
